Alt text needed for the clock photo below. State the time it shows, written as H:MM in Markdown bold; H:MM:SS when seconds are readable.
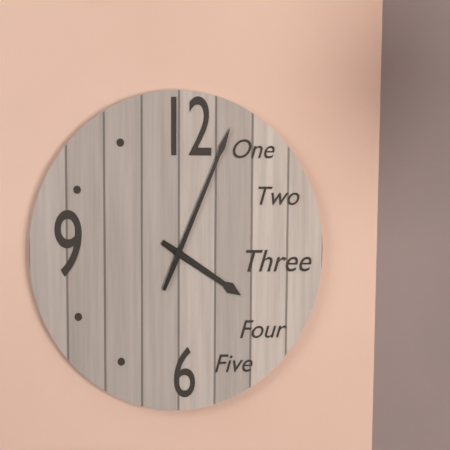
**4:04**
